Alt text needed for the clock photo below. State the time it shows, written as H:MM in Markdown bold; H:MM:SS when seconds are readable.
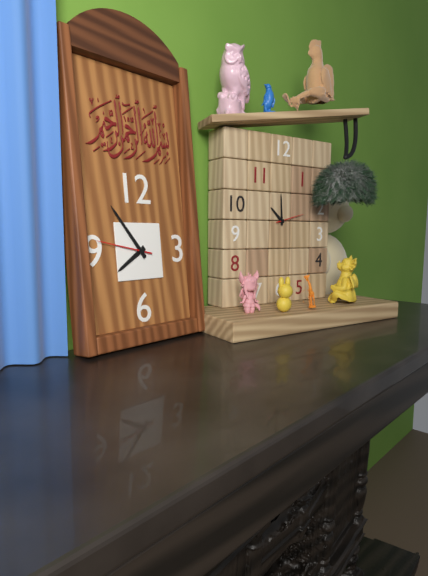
**7:54:47**
